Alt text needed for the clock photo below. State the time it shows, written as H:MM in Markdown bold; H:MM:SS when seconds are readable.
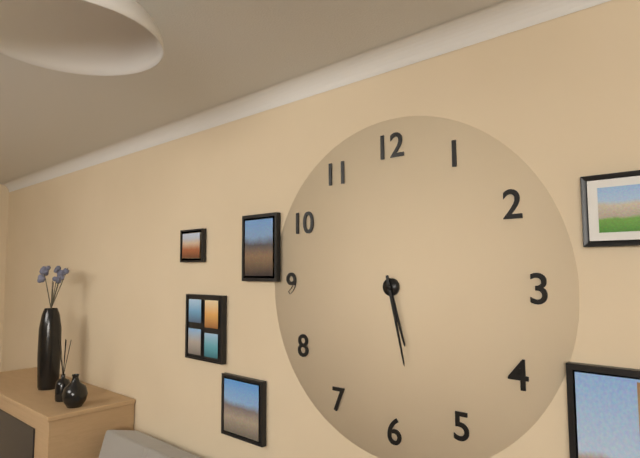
**5:28**
